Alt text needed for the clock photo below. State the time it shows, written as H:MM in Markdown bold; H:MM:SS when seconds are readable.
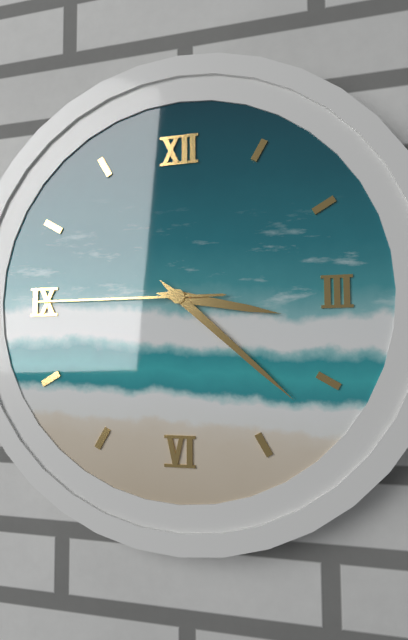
**3:22:45**
